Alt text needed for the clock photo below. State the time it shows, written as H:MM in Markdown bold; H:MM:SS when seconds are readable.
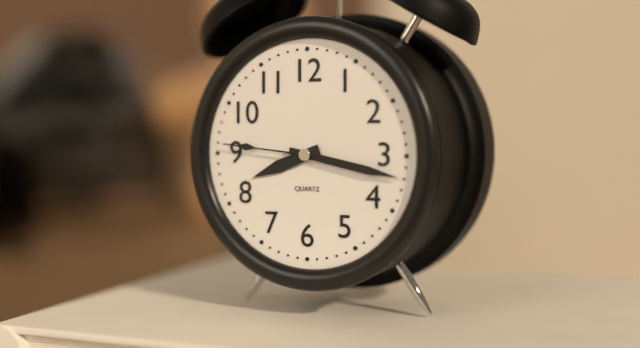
**8:17:46**
